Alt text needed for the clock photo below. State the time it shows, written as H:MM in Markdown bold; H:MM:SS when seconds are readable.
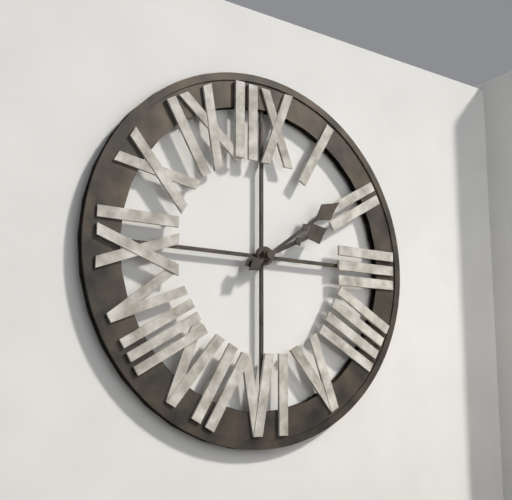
**2:09**
